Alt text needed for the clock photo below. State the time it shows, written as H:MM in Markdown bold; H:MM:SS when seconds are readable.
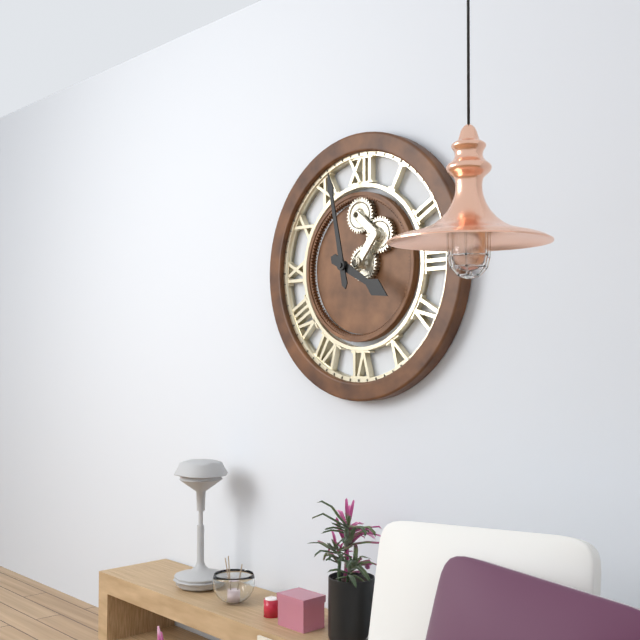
**3:58**
